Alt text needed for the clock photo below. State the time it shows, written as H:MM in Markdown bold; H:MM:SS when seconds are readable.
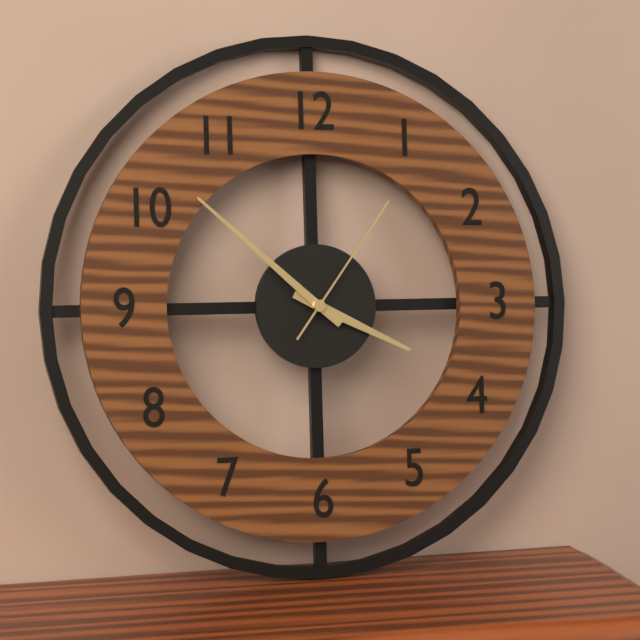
**3:52:06**
